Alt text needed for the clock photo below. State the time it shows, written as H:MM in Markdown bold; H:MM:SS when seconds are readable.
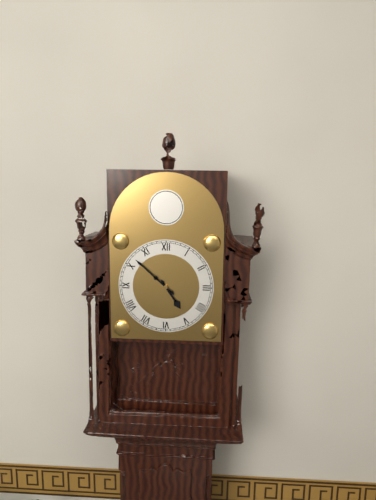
**4:52**
